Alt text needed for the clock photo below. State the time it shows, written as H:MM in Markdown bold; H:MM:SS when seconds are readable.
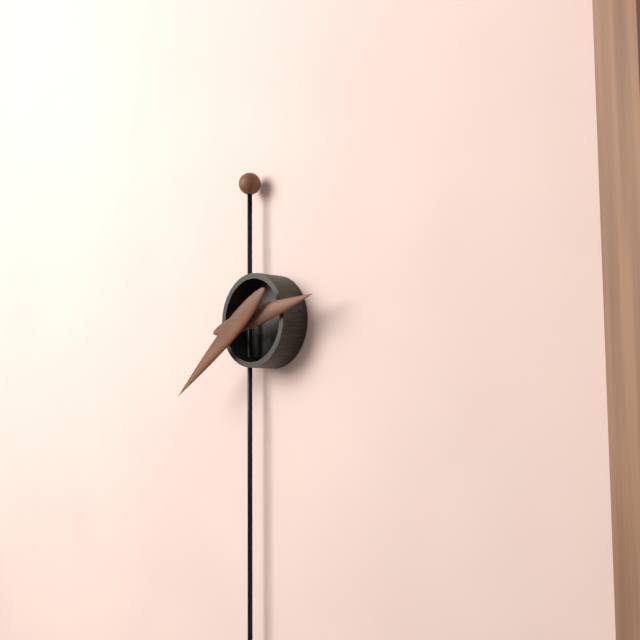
**2:39**
